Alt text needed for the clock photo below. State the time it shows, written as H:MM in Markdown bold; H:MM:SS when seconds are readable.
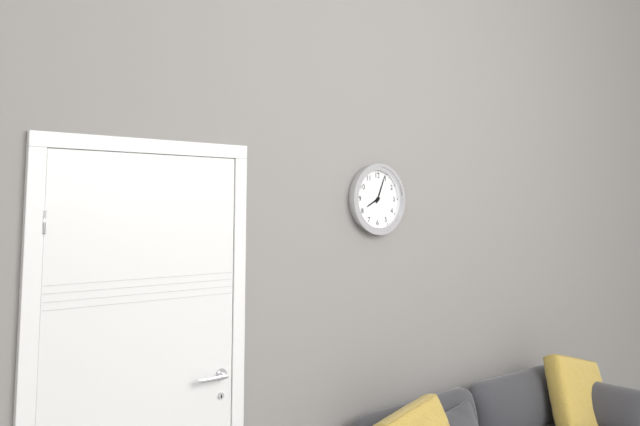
**8:04**
